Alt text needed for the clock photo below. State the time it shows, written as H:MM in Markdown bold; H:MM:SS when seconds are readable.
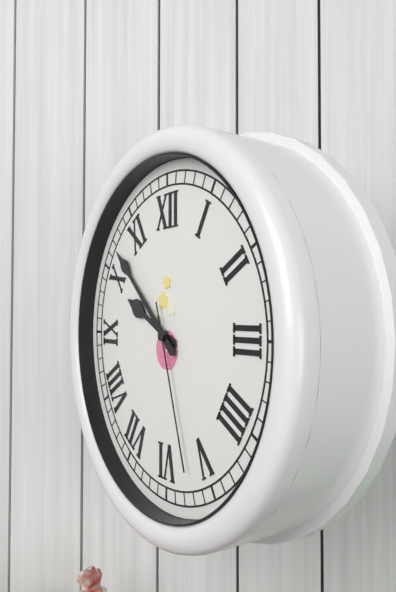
**9:52:27**
